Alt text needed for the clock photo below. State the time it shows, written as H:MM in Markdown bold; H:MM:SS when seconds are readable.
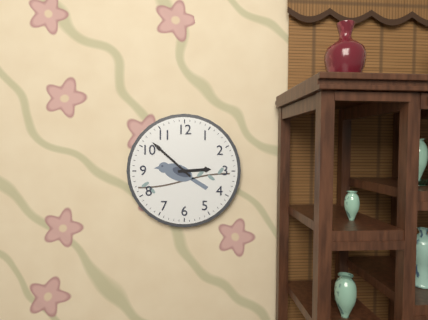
**2:52**
